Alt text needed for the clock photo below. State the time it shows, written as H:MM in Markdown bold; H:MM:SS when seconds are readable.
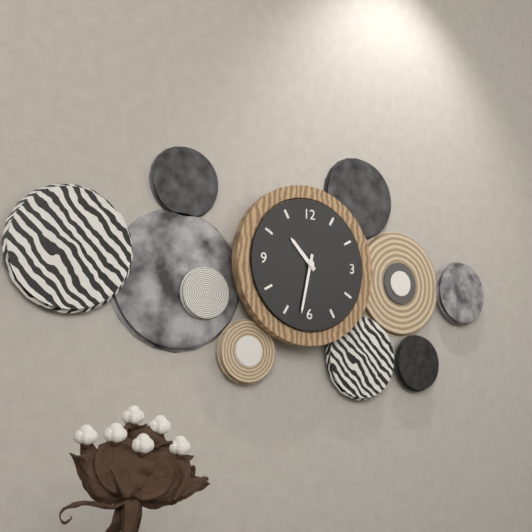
**10:32**
